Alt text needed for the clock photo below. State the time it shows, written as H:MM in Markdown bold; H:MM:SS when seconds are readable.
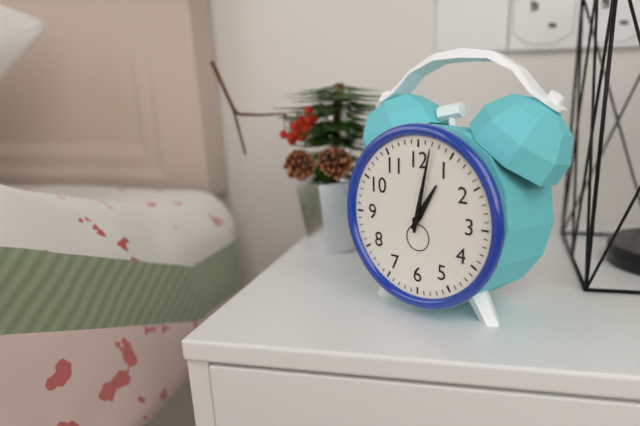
**1:02**
